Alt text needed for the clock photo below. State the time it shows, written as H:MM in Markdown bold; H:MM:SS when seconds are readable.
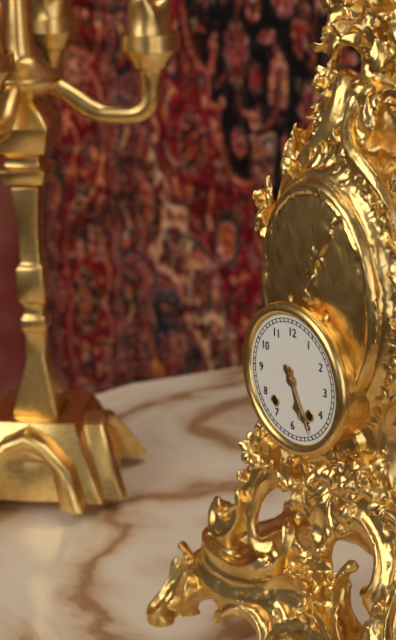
**5:25**
